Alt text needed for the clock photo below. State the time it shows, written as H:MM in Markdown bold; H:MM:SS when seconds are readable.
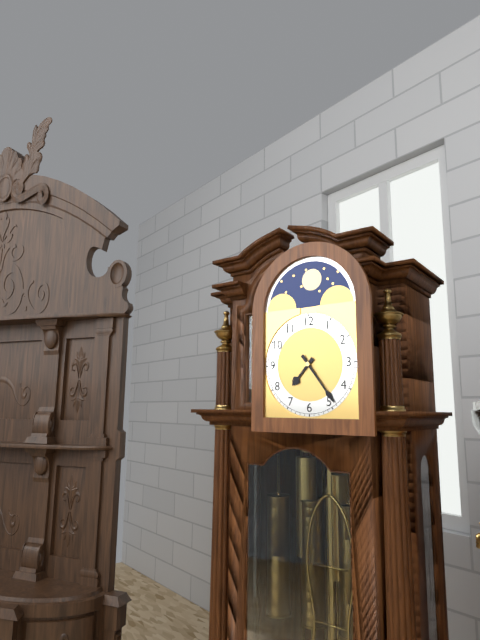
**7:24**
